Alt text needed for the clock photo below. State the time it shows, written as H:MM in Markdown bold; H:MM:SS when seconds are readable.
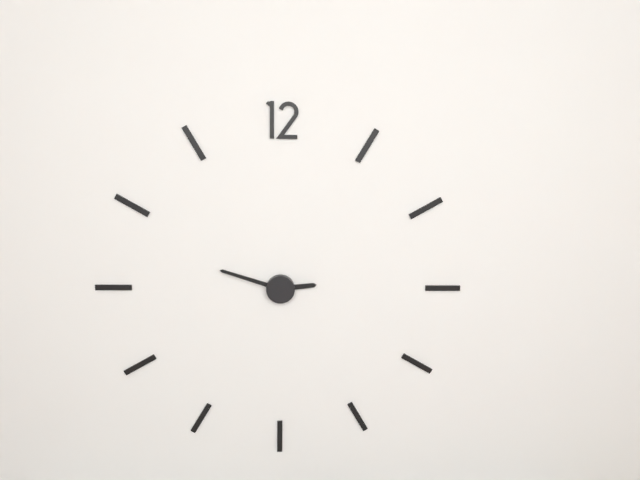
**2:48**
